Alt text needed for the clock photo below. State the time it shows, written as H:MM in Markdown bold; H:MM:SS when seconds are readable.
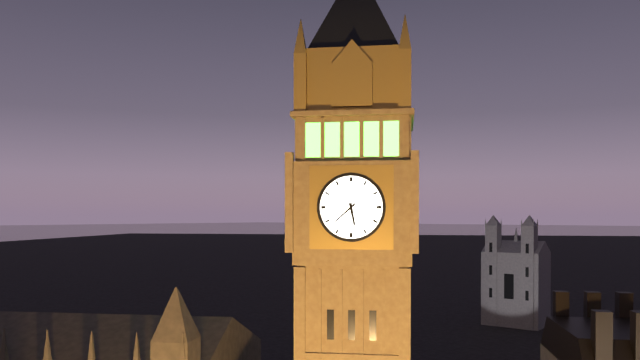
**5:38**
